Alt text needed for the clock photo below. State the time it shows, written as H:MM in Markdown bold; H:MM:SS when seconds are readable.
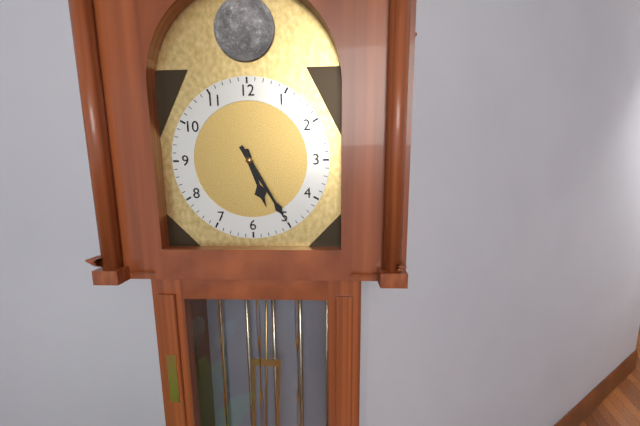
**5:25**
